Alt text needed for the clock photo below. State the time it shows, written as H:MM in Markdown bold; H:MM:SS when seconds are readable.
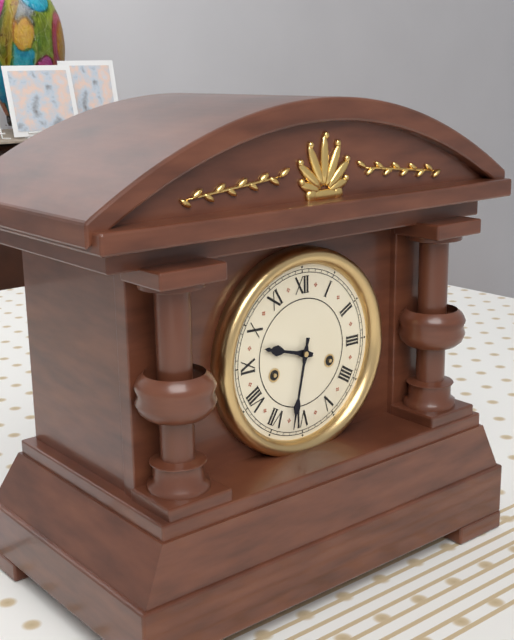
**9:32**
